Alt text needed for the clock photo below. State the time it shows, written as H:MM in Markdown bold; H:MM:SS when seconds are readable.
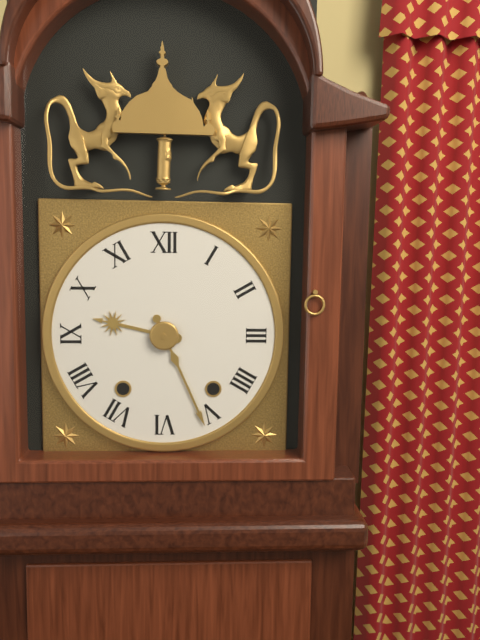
**9:26**
